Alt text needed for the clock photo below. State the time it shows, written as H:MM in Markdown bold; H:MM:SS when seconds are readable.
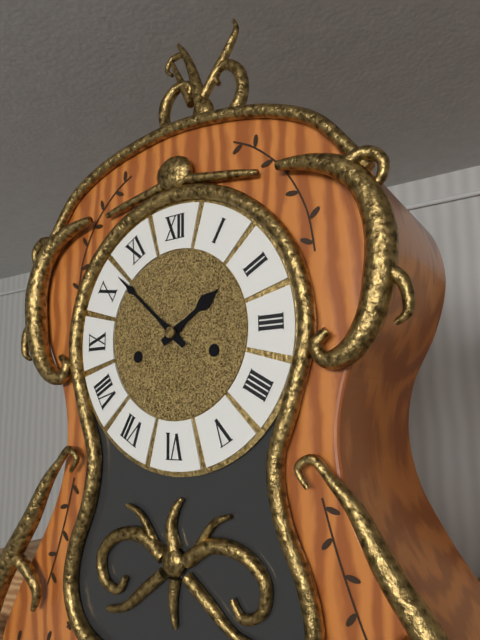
**1:52**
